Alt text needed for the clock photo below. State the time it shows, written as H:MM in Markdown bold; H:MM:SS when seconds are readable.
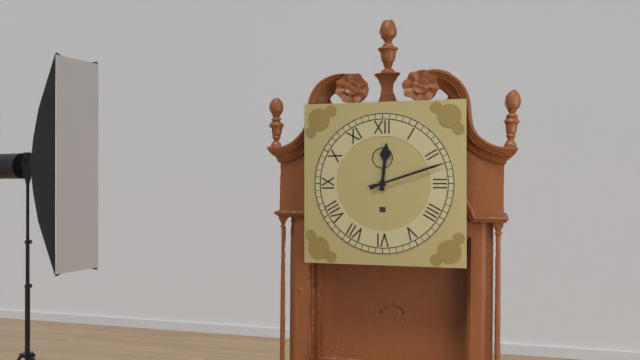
**12:12**
